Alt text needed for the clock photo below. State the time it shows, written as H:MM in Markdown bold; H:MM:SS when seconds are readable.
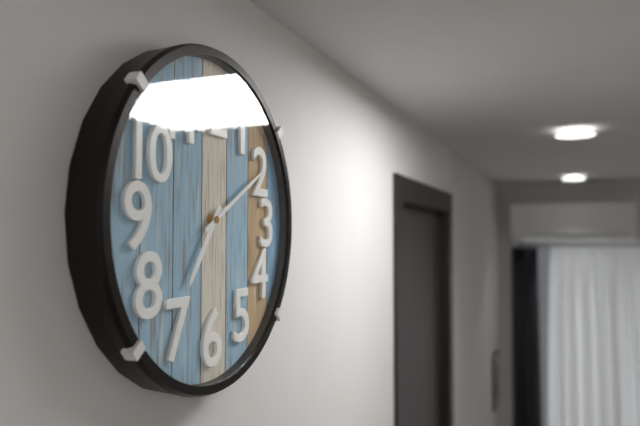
**7:10**
